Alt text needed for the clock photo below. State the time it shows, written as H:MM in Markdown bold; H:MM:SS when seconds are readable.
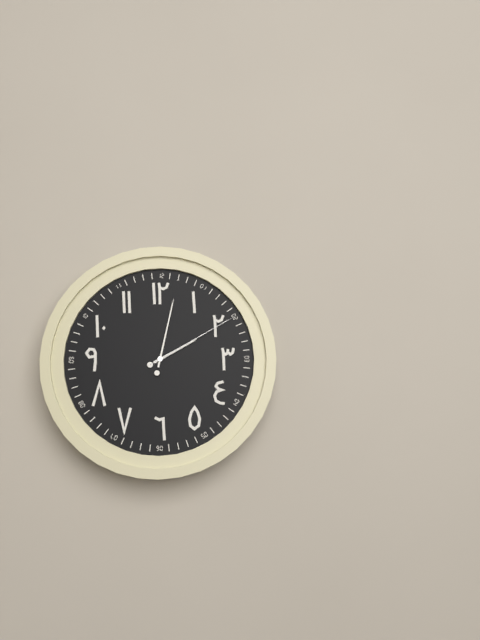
**2:02:10**
